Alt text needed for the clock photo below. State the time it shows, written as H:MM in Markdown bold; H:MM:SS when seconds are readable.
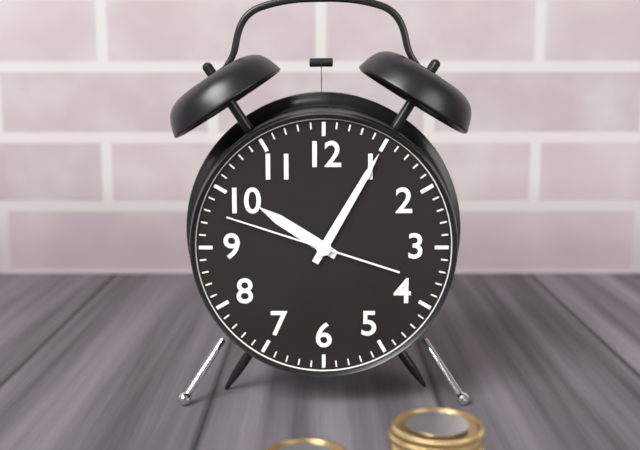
**10:05:48**
